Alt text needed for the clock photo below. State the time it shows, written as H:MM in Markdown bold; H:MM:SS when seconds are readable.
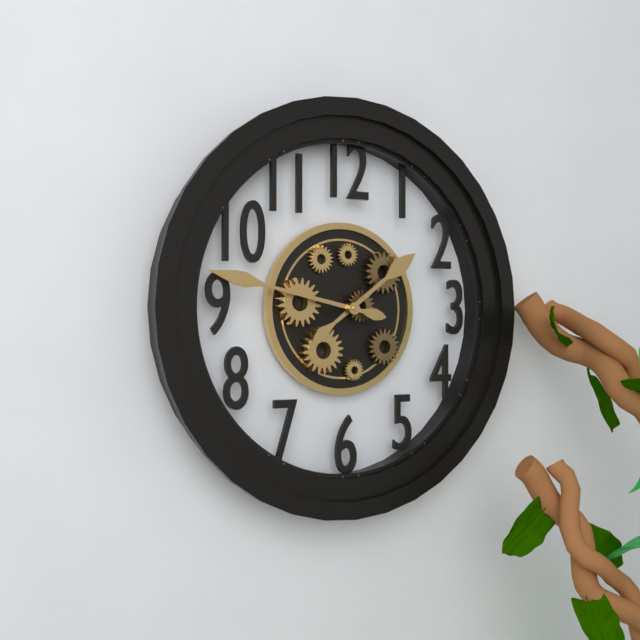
**1:47**
